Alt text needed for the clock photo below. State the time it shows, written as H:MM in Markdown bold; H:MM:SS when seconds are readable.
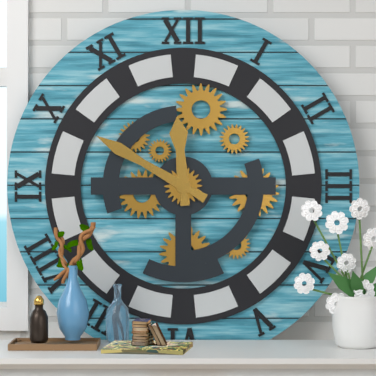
**11:50**
